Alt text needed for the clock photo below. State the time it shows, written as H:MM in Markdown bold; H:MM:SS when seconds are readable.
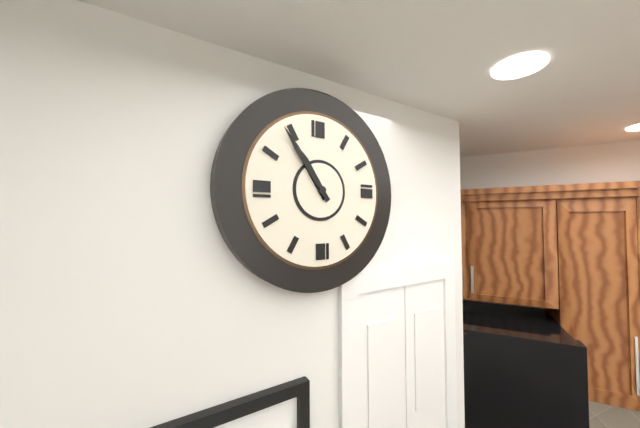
**10:54**
